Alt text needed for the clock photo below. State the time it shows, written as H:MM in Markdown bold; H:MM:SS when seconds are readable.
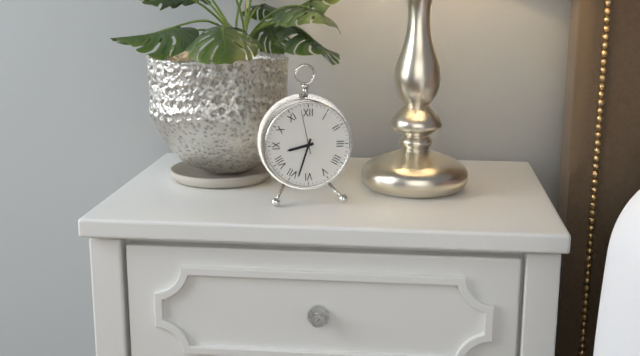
**8:33**
